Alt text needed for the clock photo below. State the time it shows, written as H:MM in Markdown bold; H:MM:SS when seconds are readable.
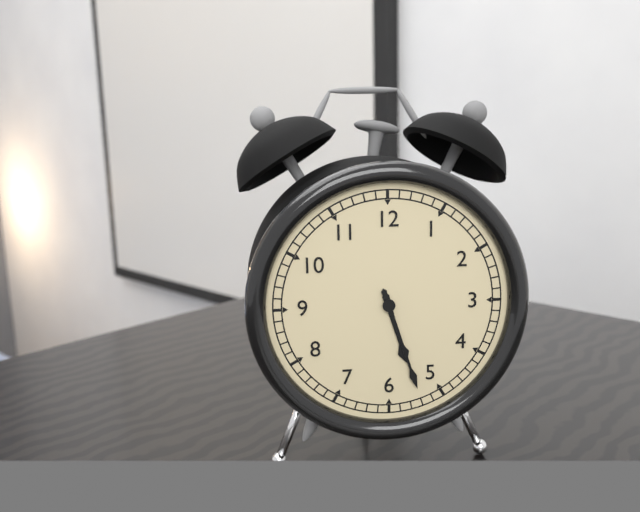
**5:27**
